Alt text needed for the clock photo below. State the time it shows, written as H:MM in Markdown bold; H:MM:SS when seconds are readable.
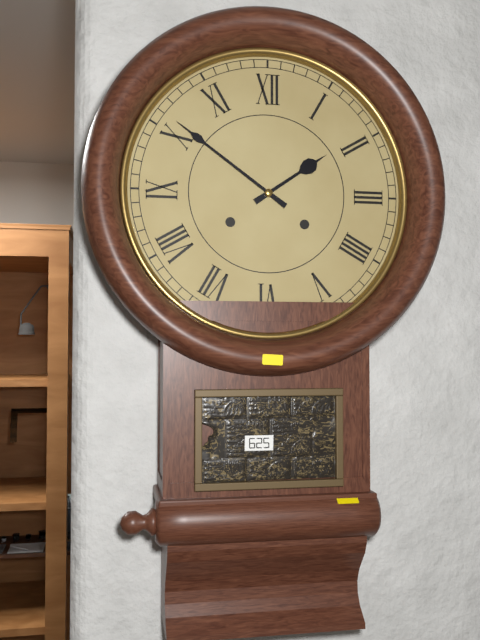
**1:51**
